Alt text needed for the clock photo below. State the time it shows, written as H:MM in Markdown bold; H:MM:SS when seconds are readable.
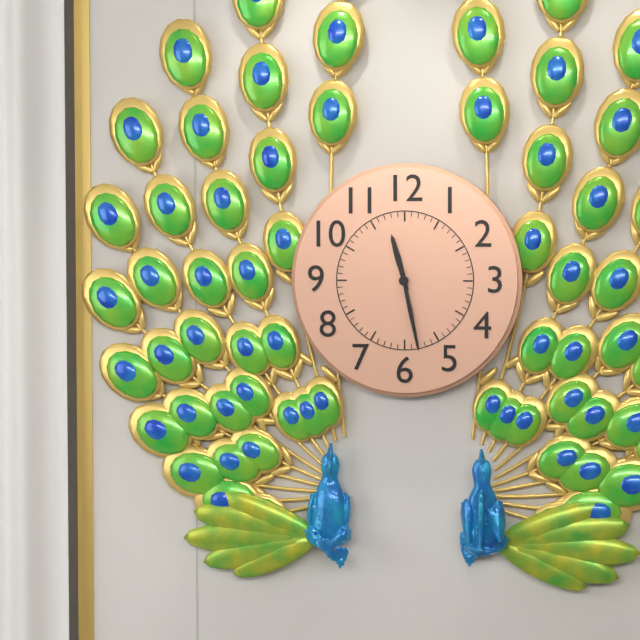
**11:28**
